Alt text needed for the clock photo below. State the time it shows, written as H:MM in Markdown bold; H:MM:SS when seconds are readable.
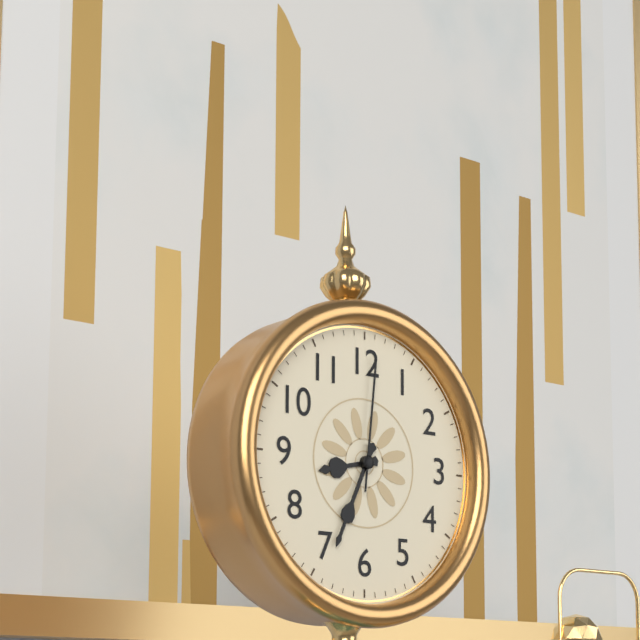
**8:34:01**
